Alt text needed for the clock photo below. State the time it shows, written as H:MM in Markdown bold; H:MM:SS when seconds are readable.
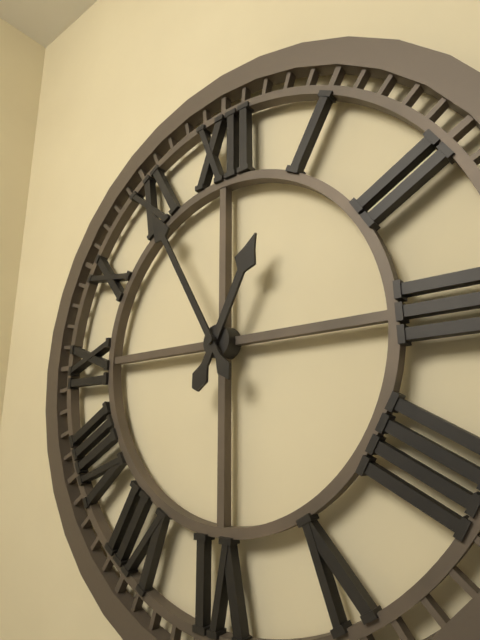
**12:55**
